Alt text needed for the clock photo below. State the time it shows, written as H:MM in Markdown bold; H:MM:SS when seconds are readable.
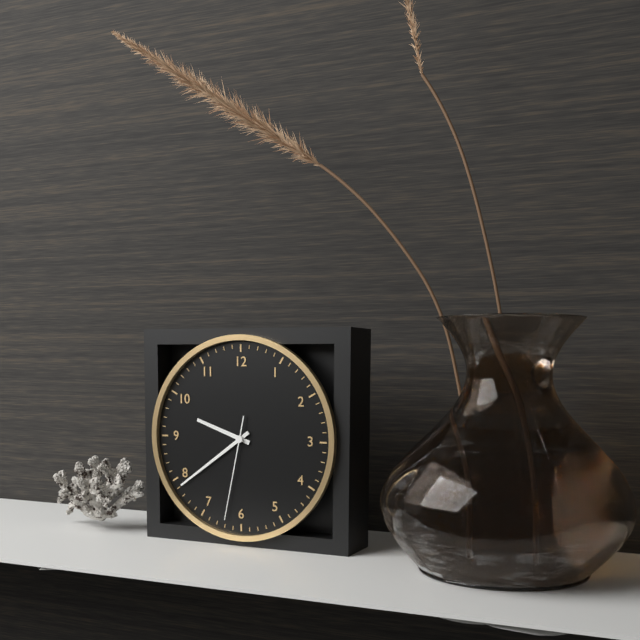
**9:39:32**
